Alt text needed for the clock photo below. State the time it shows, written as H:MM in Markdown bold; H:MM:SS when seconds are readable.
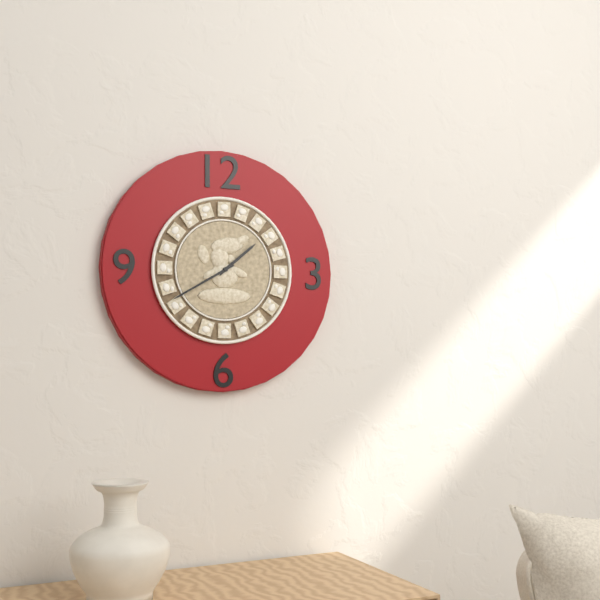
**1:40**
